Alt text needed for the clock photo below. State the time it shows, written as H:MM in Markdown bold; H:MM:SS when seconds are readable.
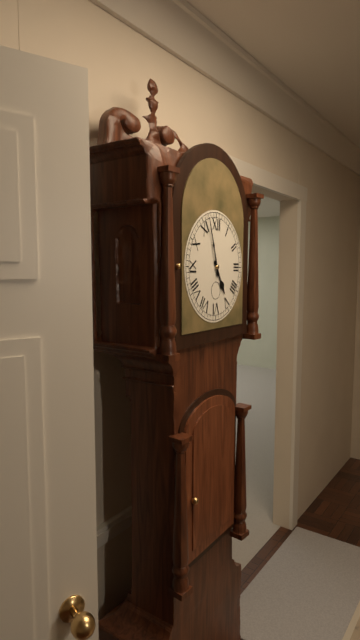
**4:57**
